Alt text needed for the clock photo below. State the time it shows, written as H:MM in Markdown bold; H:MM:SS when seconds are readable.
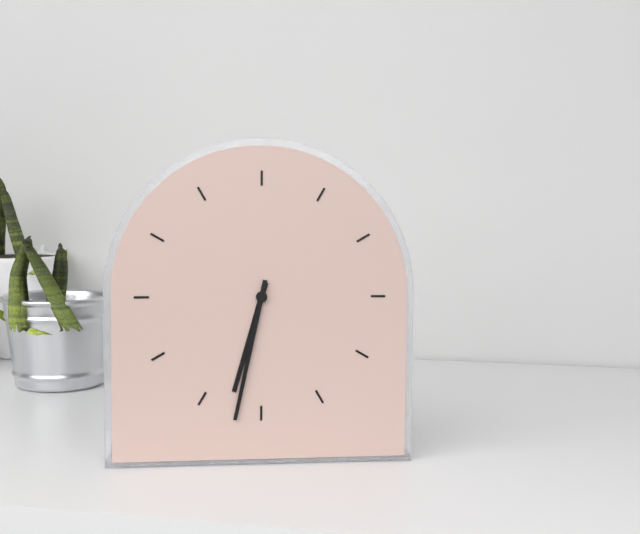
**6:32**
